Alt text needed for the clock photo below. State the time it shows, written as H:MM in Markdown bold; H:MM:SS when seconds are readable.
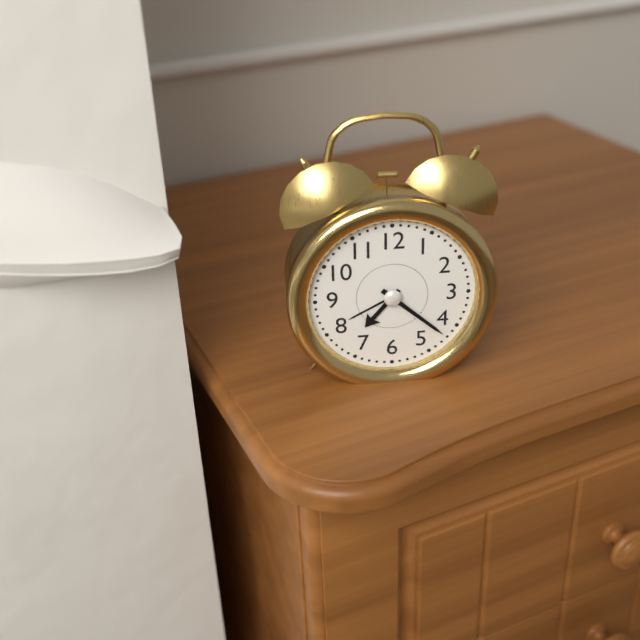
**7:22**
